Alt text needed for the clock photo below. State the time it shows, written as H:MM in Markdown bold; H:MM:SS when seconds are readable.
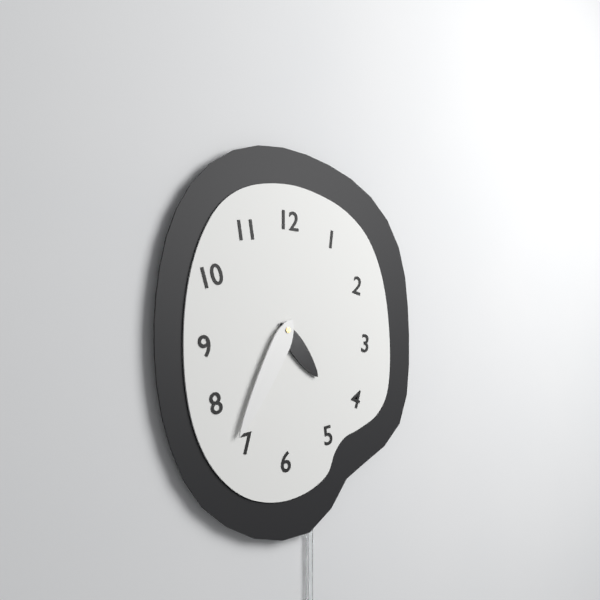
**4:35**
